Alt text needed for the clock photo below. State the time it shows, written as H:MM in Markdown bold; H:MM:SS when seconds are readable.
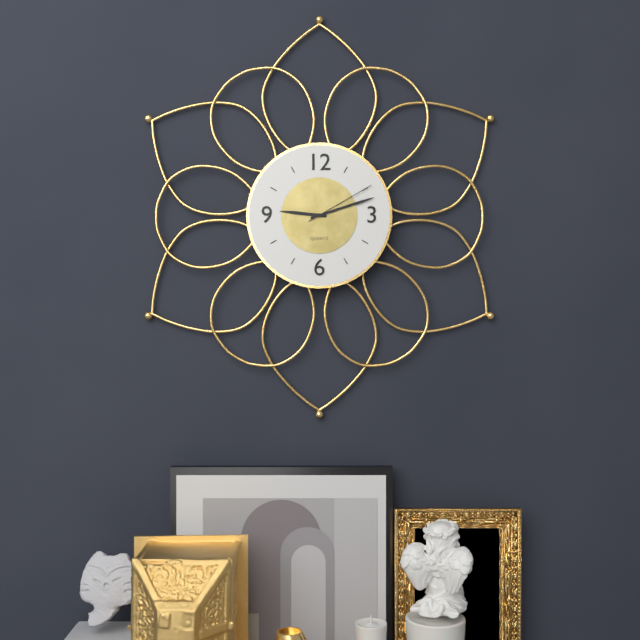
**9:12:10**
